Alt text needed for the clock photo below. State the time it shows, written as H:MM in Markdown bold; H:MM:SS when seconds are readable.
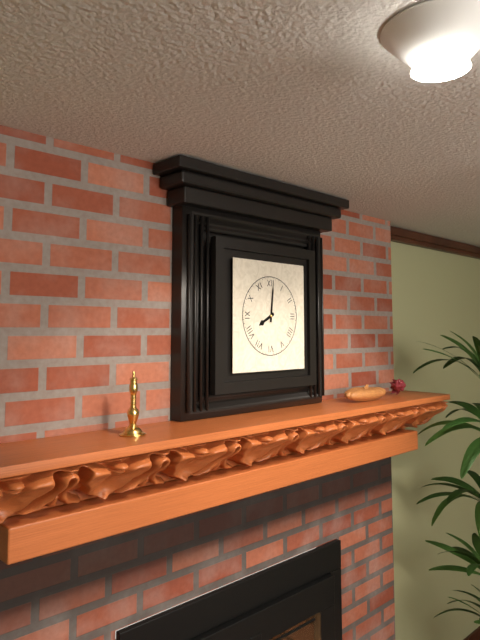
**8:01**
